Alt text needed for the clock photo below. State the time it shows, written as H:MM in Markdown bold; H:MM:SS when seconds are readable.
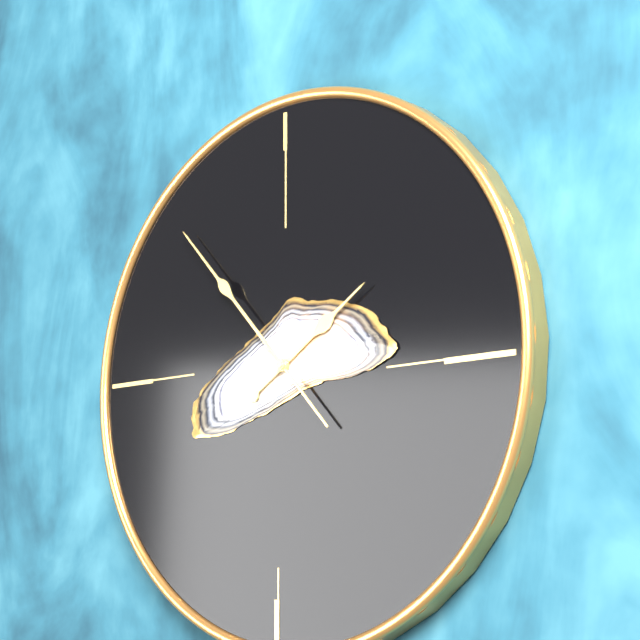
**1:53**
